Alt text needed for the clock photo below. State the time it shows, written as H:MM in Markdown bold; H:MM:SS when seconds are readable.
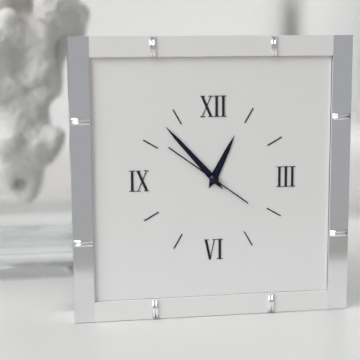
**12:53:51**
